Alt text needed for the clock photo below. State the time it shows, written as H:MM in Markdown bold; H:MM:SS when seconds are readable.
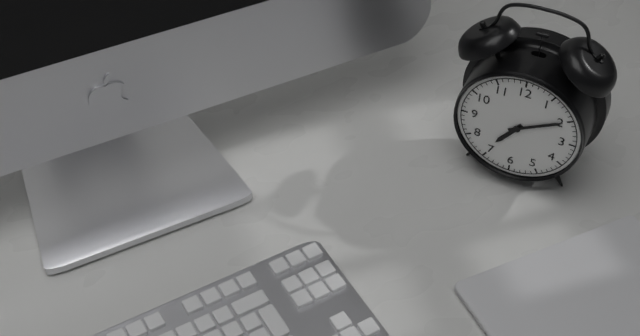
**7:10**
